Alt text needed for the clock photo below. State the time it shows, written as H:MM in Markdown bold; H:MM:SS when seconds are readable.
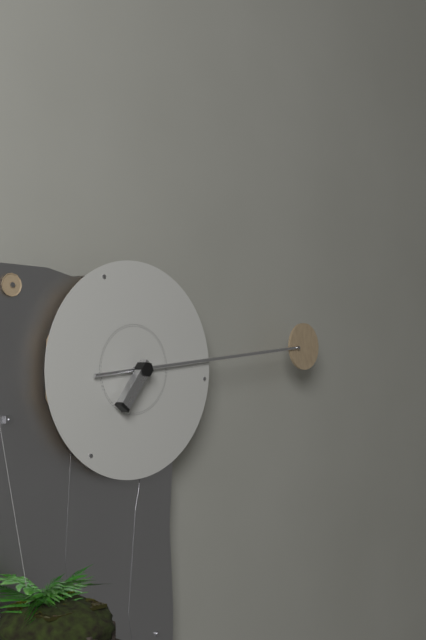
**7:14**
